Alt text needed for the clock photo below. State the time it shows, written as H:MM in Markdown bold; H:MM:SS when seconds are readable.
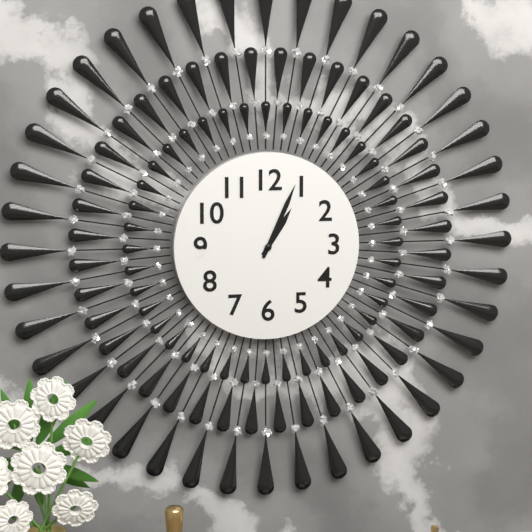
**1:04**
